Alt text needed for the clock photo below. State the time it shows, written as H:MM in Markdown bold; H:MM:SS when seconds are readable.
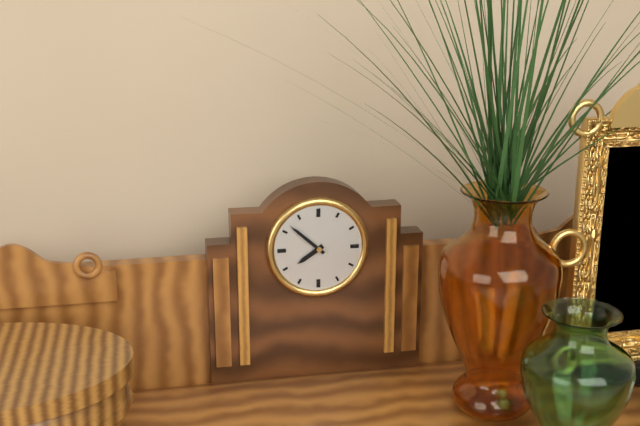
**7:52**
